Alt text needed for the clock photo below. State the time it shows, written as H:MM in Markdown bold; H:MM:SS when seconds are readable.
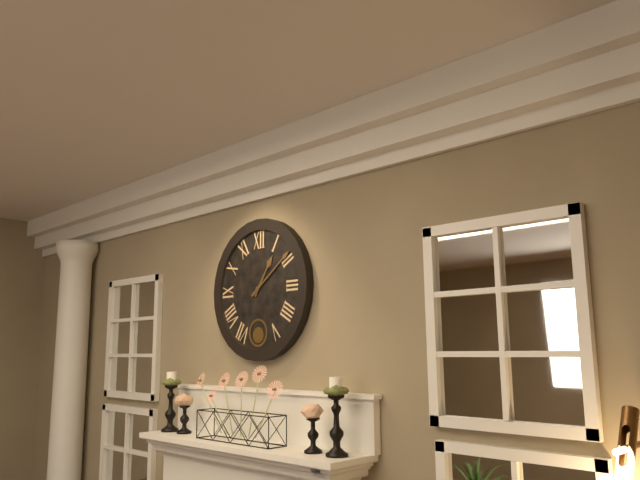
**1:09**
